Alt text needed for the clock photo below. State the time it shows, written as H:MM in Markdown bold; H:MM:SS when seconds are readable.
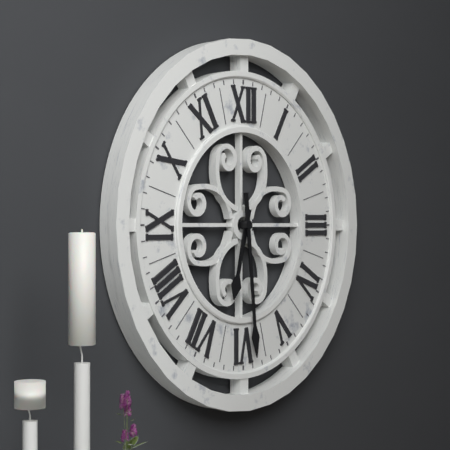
**6:29**
